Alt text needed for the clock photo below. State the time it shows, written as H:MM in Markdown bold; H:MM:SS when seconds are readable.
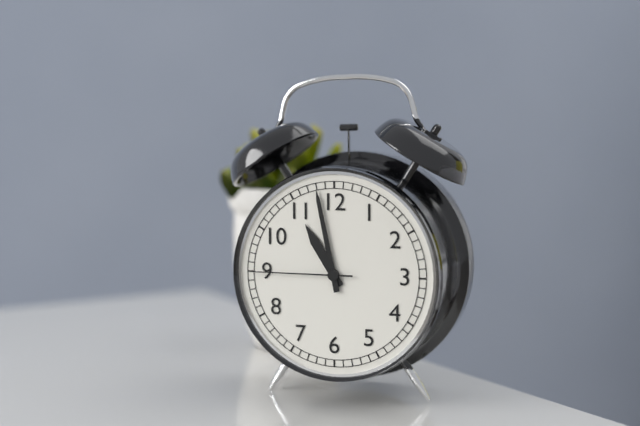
**10:58:45**
